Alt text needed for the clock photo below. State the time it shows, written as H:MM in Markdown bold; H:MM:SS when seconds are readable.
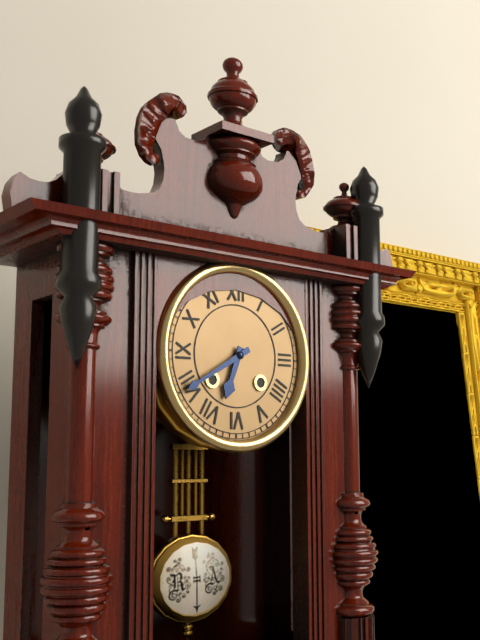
**6:40**
